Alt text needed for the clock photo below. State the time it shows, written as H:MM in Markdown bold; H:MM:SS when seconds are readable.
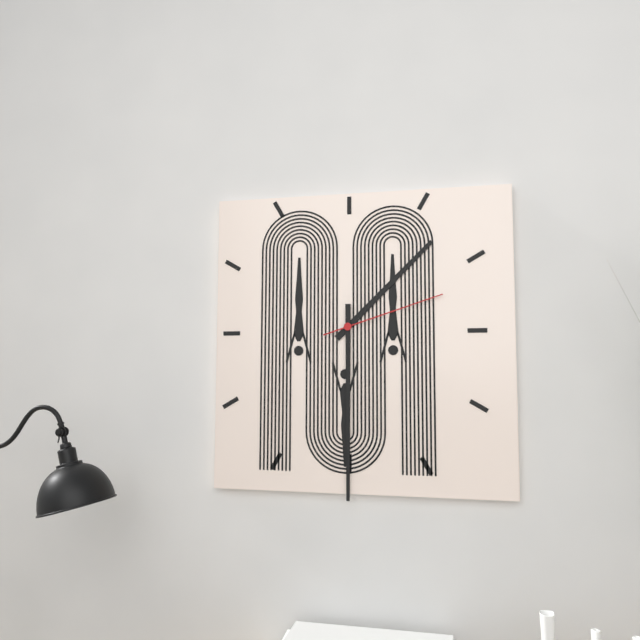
**1:30:12**
